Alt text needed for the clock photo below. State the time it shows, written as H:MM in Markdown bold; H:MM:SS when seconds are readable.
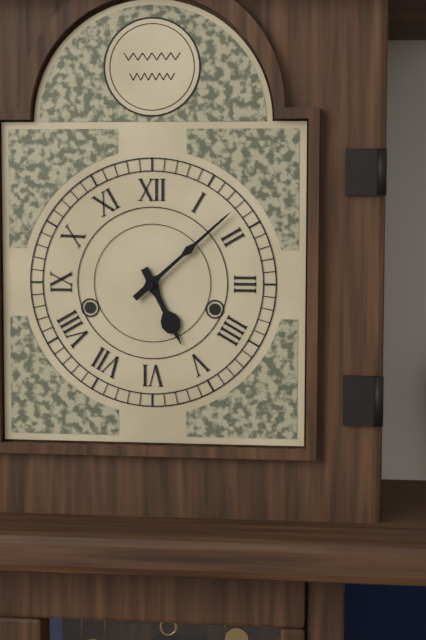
**5:08**
